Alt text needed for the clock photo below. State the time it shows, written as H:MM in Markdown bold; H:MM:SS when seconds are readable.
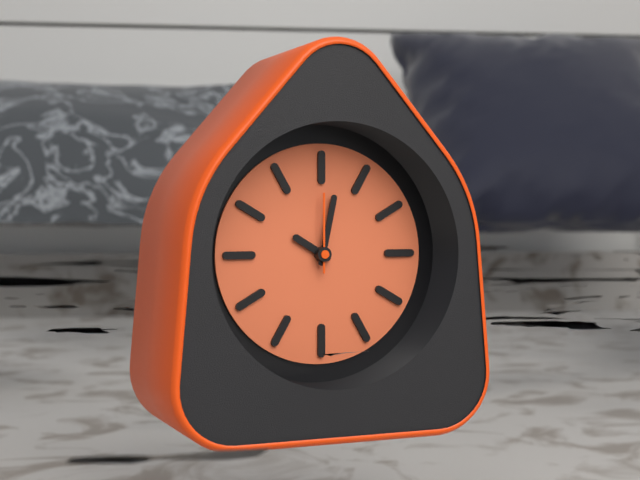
**10:02:00**
